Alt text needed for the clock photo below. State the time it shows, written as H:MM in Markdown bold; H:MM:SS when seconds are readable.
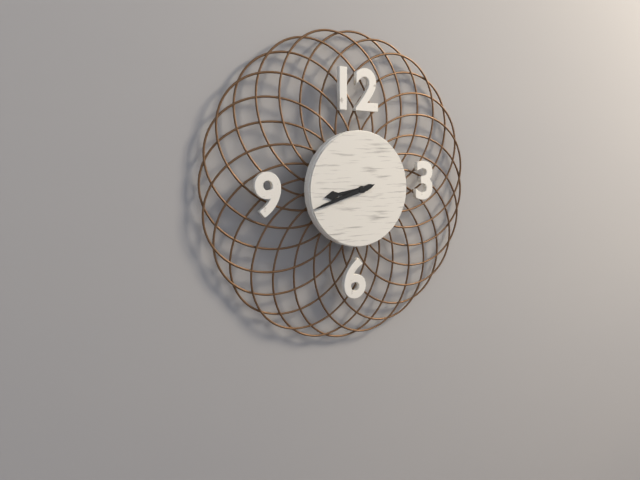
**8:42**
